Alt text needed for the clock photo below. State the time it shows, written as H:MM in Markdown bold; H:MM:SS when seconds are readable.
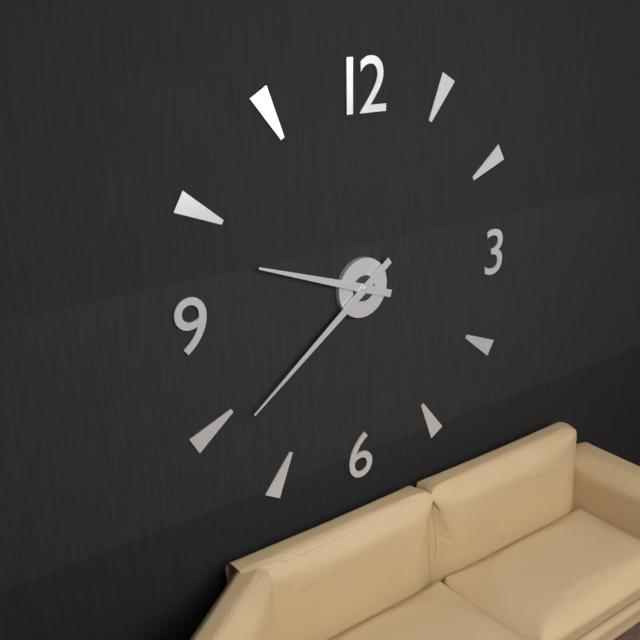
**9:39**
